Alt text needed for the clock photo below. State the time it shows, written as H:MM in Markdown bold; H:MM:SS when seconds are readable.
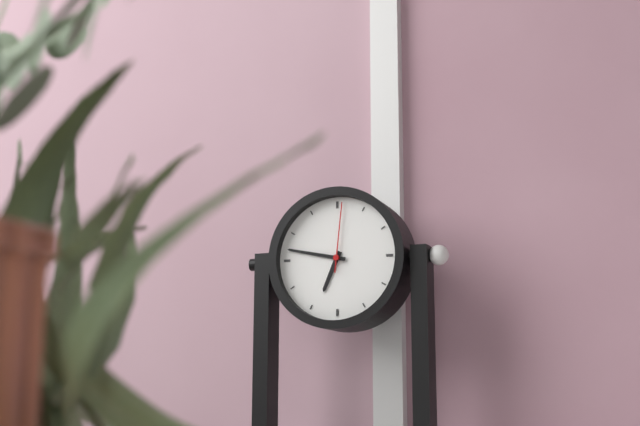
**6:47:01**
